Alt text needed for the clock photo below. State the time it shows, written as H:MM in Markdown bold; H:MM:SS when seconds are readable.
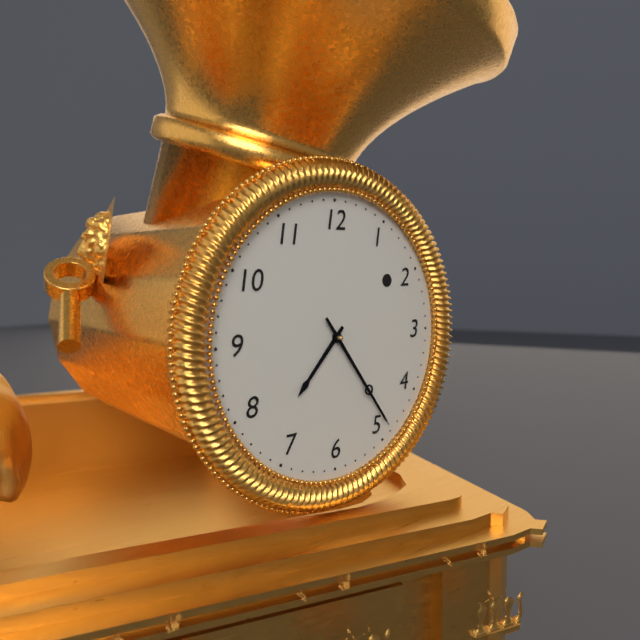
**7:24**
